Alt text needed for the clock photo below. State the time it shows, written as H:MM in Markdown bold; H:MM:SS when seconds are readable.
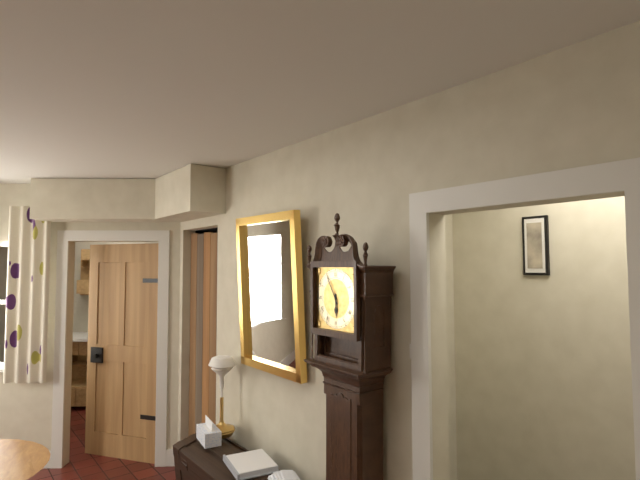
**5:55**
